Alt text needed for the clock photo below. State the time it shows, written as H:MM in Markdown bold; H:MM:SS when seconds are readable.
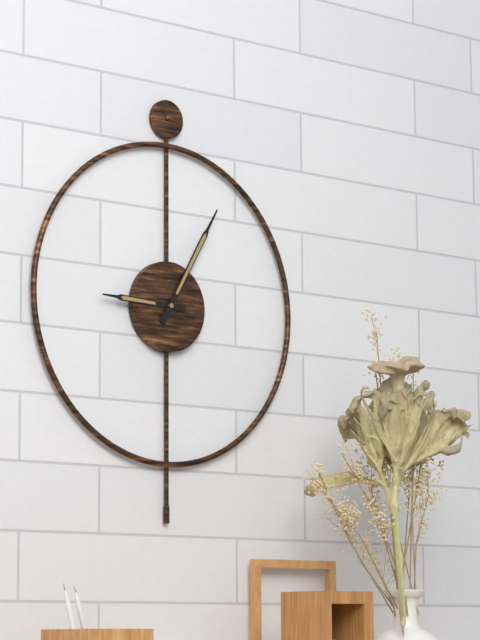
**9:05**
